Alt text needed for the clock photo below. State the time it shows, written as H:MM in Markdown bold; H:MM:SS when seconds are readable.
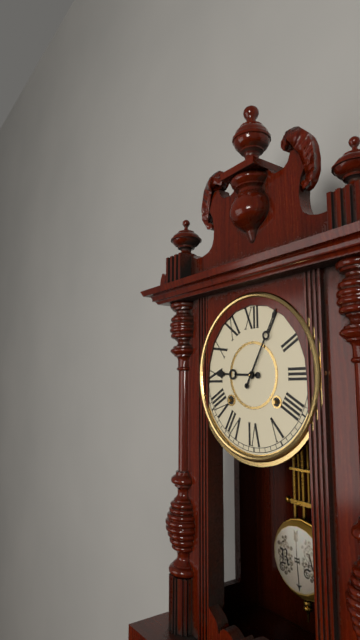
**9:05**
